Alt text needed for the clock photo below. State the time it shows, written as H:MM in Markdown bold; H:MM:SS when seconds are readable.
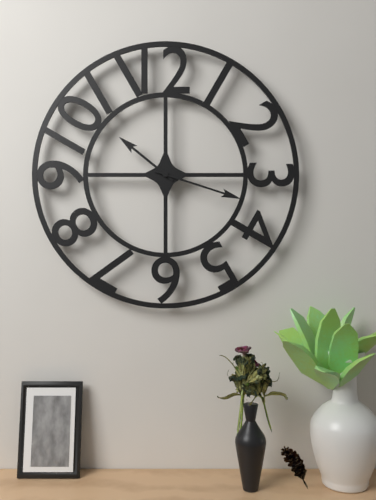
**10:18**
